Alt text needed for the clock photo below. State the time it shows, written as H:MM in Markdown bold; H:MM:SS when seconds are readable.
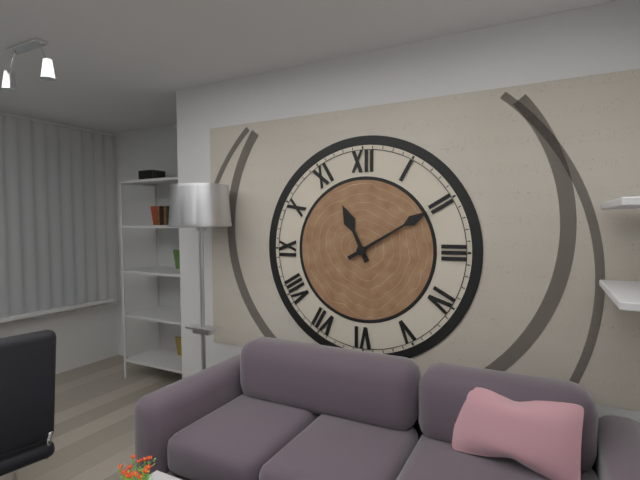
**11:10**
